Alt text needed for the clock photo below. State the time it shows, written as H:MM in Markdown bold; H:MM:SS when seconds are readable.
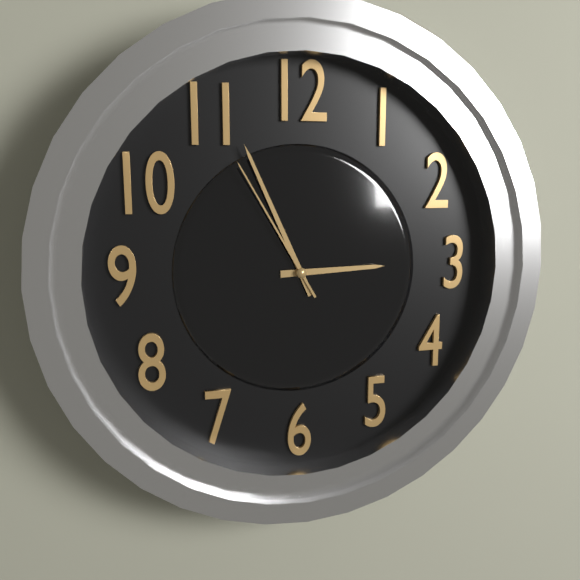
**2:56:55**
